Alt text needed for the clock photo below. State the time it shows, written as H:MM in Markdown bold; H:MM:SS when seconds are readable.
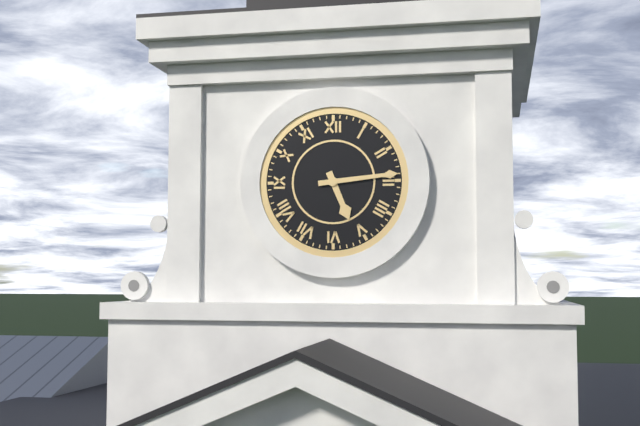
**5:14**
